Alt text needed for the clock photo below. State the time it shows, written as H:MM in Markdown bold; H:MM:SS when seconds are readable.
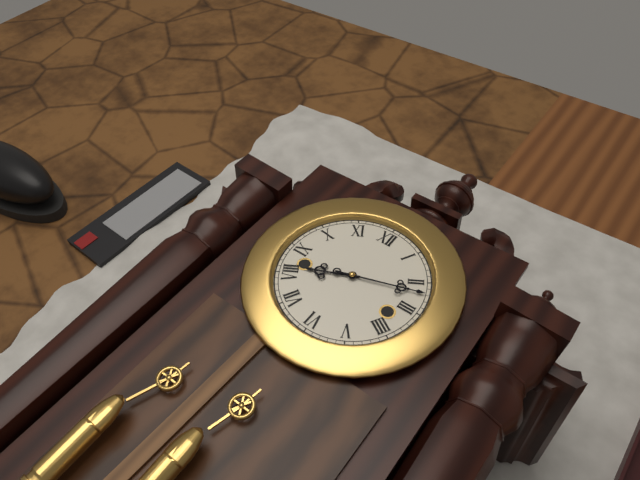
**8:12**
